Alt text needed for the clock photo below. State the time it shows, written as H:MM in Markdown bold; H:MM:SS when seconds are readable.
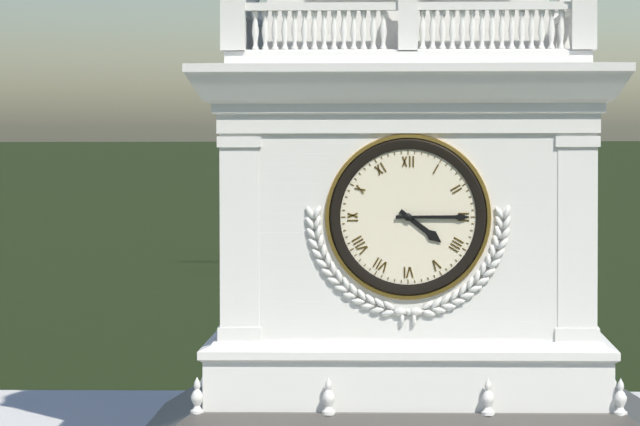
**4:15**
